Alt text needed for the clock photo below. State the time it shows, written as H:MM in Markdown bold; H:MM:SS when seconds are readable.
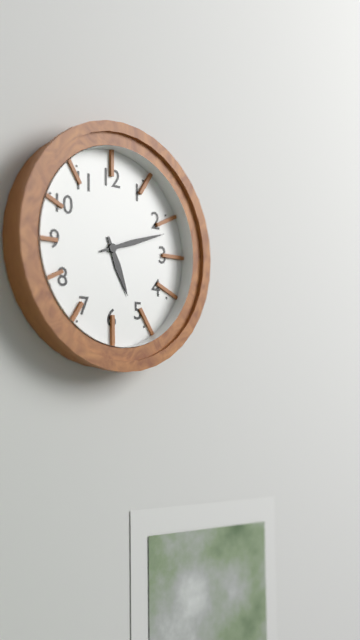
**5:12**
